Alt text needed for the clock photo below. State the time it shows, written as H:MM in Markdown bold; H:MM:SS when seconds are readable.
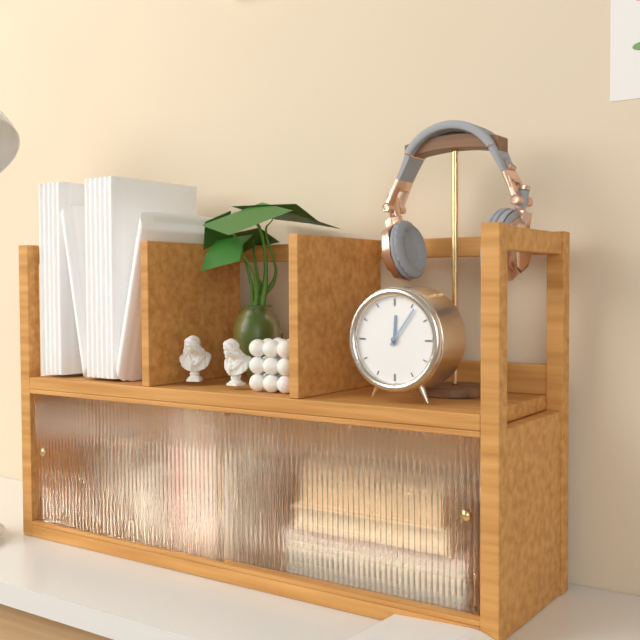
**12:06**
